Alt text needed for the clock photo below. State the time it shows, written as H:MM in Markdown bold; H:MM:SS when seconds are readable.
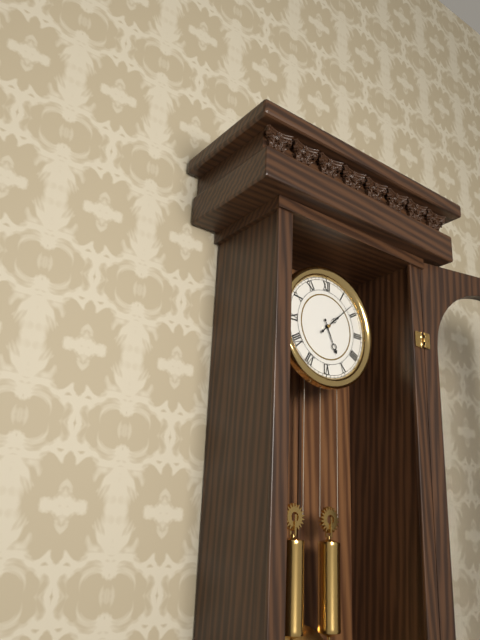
**5:08**
